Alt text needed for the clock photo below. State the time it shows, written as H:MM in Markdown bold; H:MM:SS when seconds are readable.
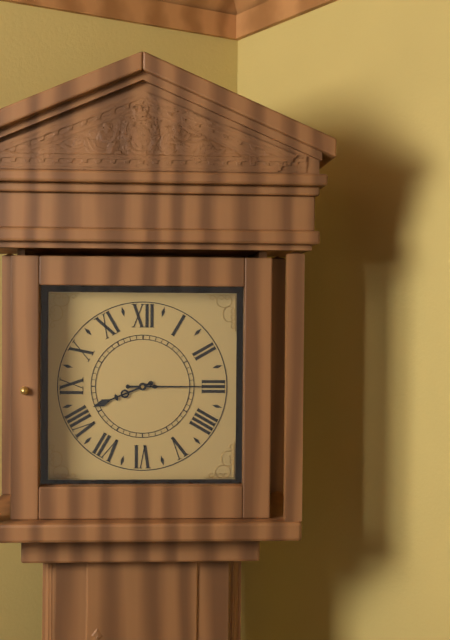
**8:15**
